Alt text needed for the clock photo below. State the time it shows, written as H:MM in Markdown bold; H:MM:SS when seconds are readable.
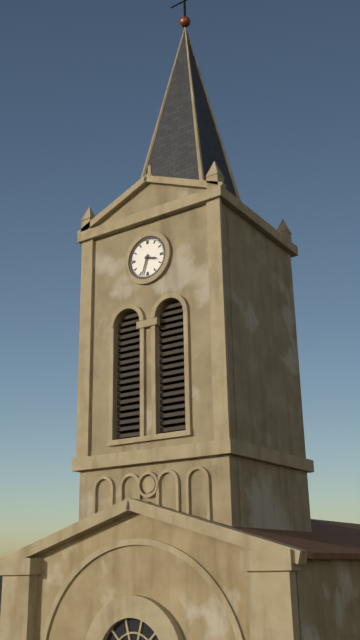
**3:33**
